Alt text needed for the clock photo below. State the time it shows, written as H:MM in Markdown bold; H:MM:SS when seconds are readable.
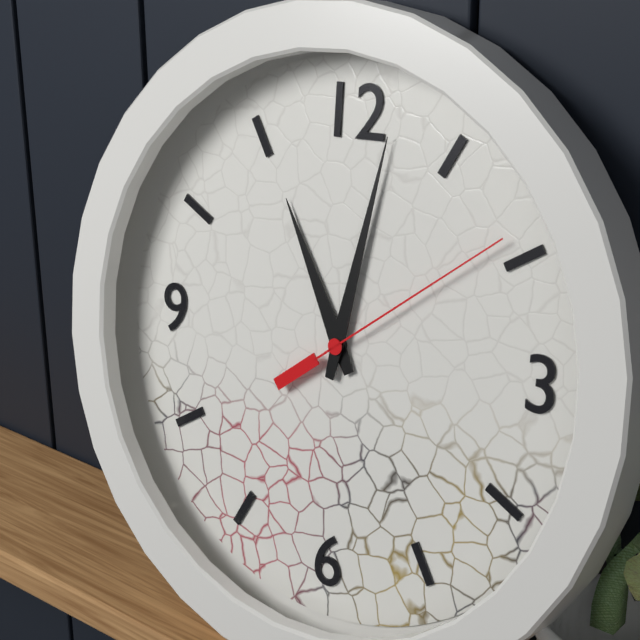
**11:02:09**
